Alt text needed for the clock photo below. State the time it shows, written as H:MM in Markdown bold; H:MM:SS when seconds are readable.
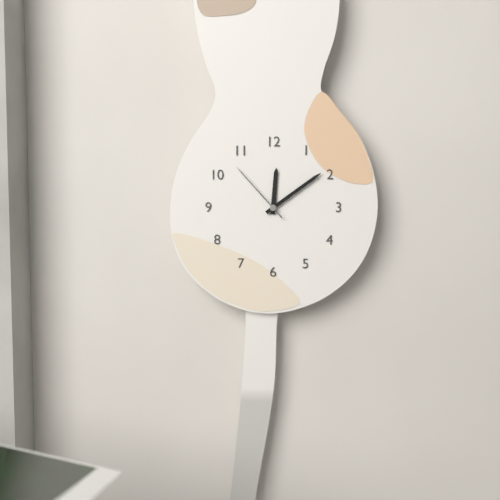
**12:09:53**
